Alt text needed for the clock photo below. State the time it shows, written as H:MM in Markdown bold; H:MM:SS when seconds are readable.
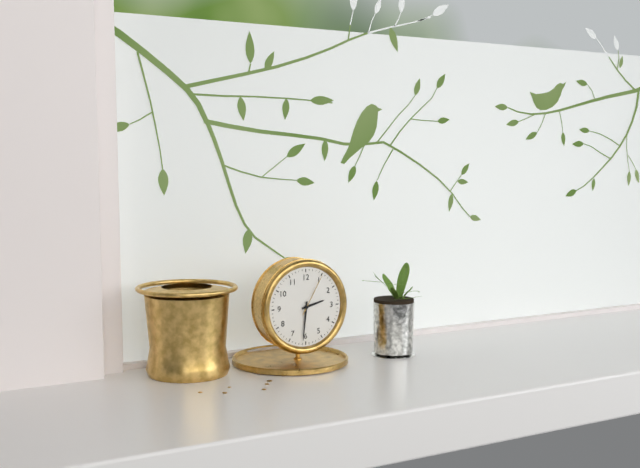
**2:31**
